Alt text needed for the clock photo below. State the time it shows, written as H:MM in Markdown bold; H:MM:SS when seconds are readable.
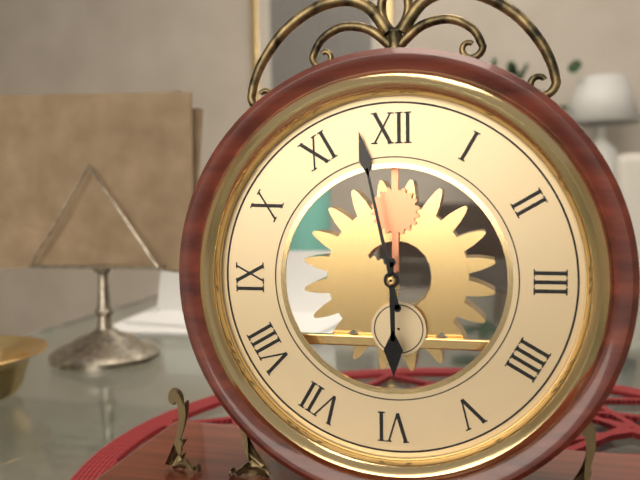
**5:58**
